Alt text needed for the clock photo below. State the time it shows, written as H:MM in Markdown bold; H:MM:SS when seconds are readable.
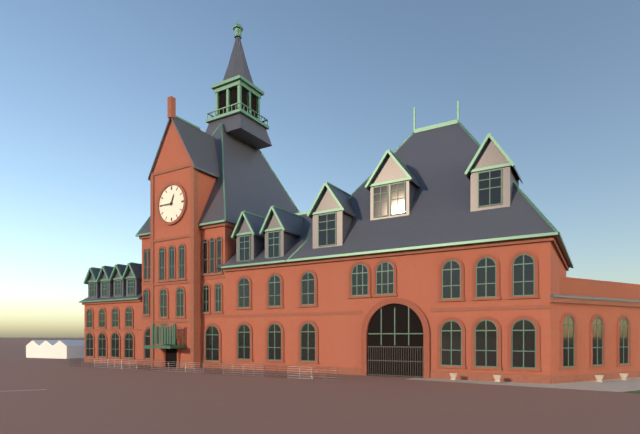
**12:45**
